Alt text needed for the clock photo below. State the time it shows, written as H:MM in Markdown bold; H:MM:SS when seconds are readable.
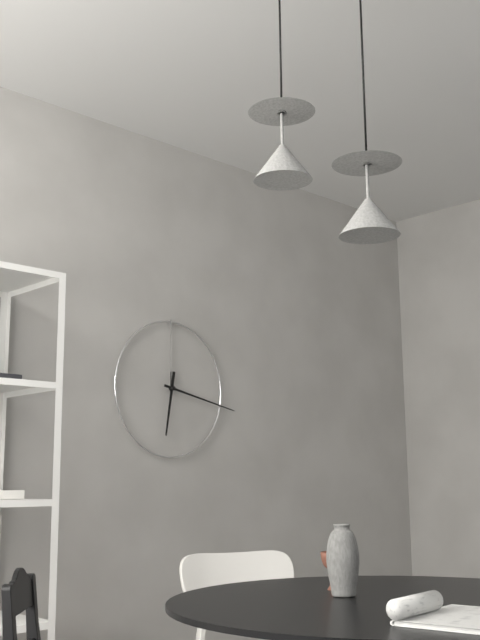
**6:17**
